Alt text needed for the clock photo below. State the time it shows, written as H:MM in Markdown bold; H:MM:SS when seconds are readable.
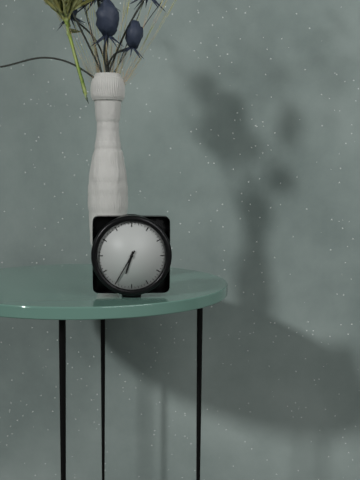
**6:35**
